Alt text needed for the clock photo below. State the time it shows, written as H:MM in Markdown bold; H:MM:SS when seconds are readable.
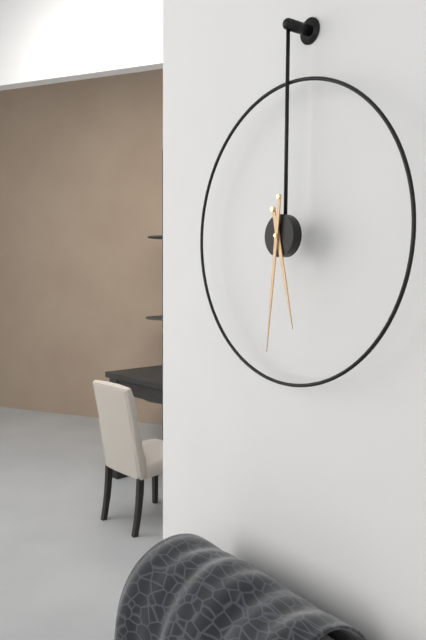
**5:31**
